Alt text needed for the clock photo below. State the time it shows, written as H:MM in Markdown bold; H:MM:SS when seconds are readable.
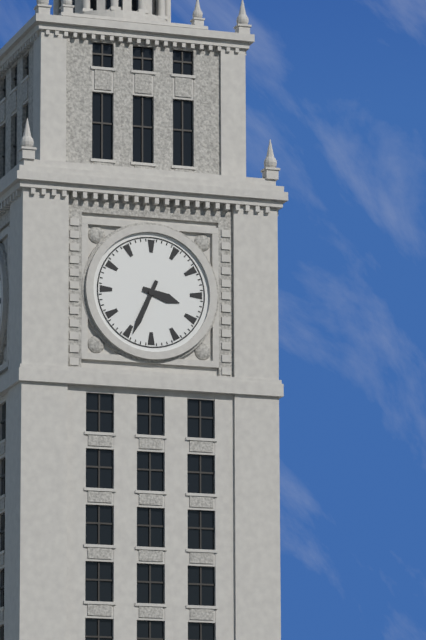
**3:34**
